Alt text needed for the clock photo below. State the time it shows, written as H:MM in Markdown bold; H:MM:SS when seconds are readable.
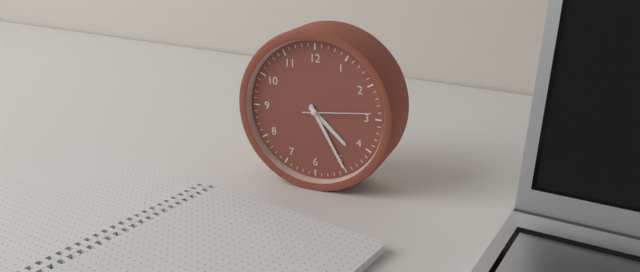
**4:25:14**
